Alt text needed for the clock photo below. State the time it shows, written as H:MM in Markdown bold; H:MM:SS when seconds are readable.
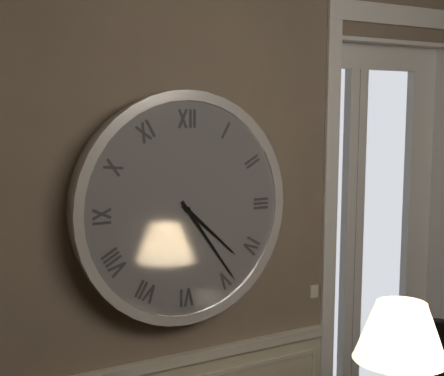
**4:24**
